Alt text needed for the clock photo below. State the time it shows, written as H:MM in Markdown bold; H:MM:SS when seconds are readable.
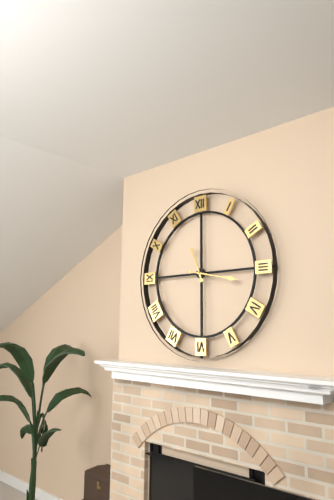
**11:17**
